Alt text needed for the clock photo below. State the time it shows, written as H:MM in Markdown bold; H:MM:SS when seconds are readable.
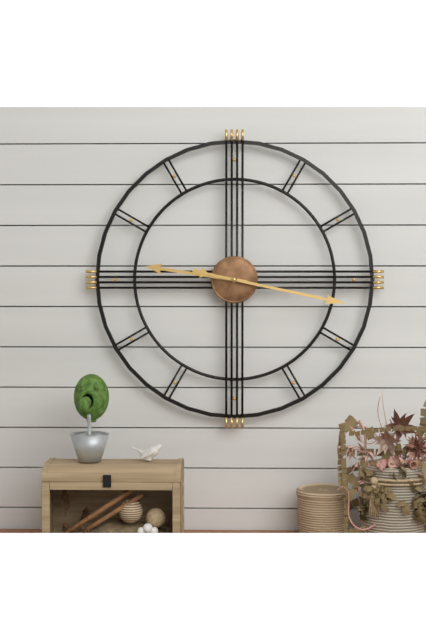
**9:17**
